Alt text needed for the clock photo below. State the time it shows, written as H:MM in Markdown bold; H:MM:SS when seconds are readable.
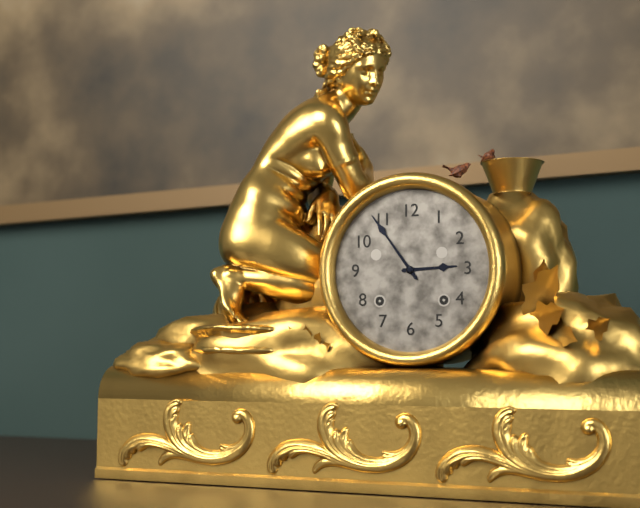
**2:54**
